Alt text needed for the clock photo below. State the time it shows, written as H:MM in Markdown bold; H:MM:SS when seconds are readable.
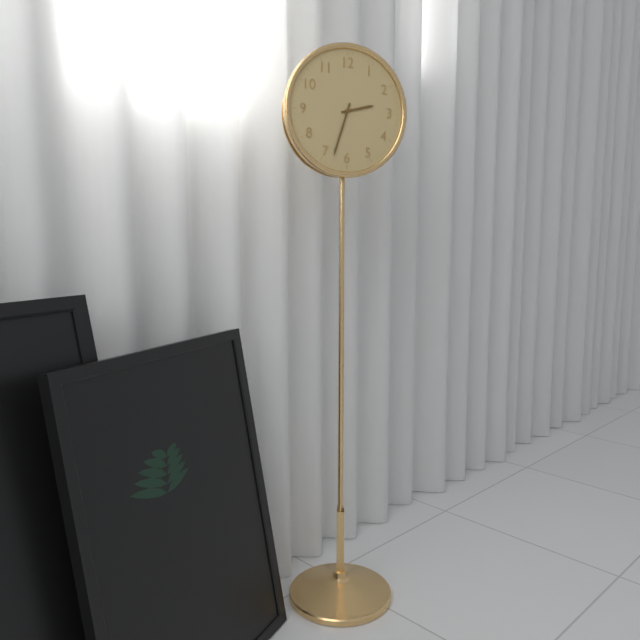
**2:33**
